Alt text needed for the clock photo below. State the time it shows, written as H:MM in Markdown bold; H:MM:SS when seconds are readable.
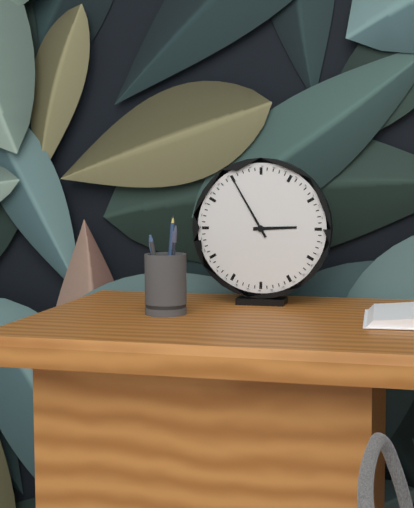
**2:55**
